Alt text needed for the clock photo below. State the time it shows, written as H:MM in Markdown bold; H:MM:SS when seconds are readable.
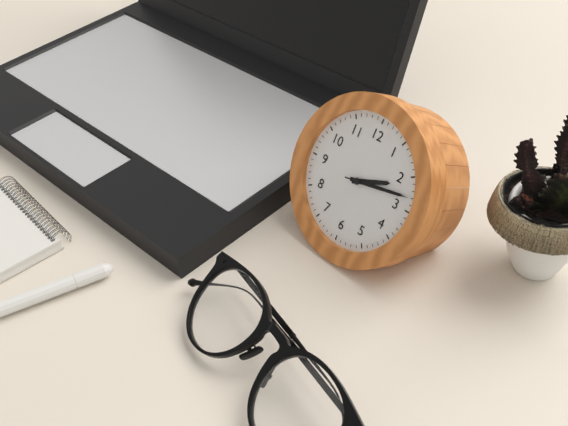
**2:13:13**
